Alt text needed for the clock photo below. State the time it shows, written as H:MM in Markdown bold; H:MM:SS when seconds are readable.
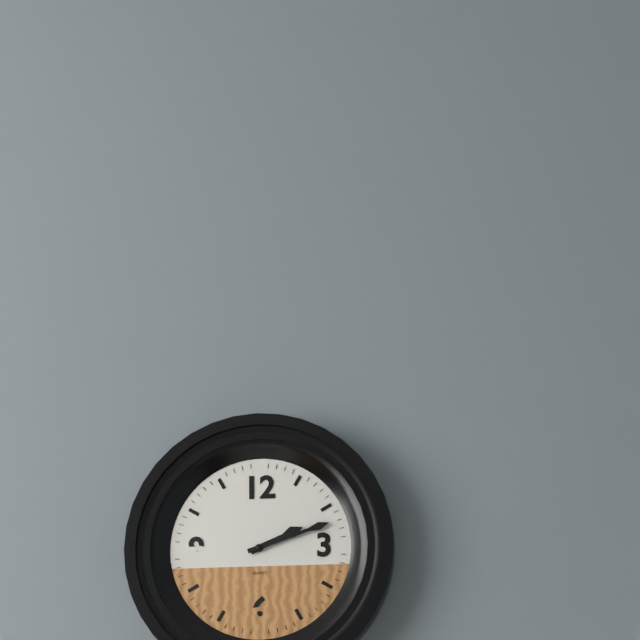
**2:12**
